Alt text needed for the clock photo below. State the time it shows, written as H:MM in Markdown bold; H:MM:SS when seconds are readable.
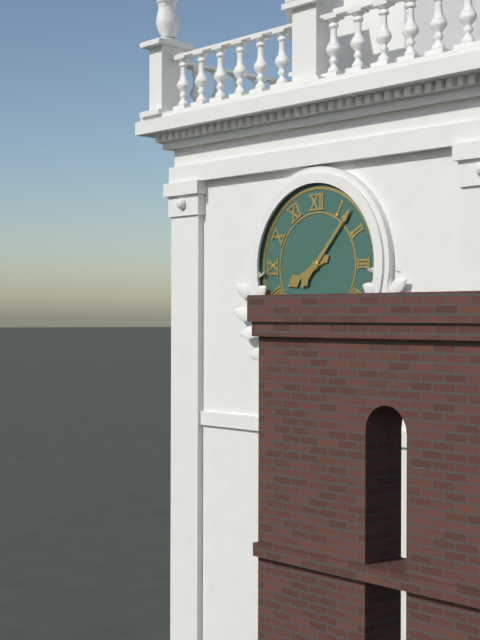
**8:07**
